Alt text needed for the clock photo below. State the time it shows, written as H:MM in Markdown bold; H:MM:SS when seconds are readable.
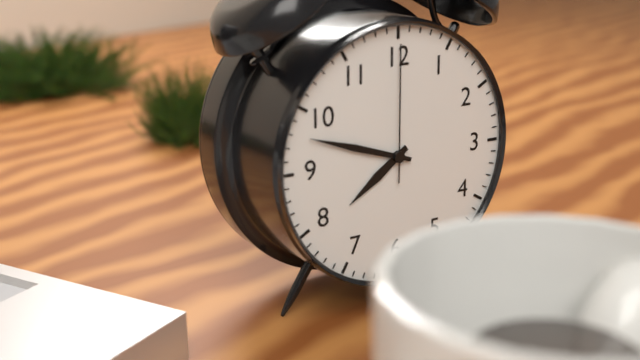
**7:48:00**
